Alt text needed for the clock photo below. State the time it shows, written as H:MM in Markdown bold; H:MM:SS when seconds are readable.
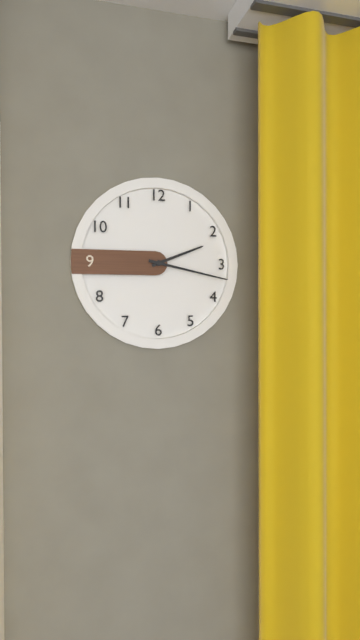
**2:17**
